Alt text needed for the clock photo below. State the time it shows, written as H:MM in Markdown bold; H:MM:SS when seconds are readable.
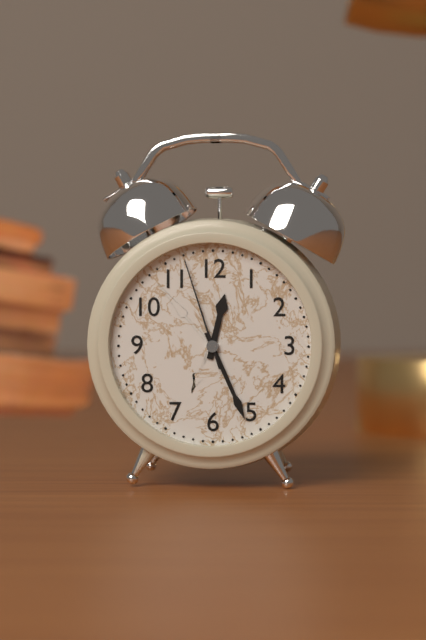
**12:26:57**
